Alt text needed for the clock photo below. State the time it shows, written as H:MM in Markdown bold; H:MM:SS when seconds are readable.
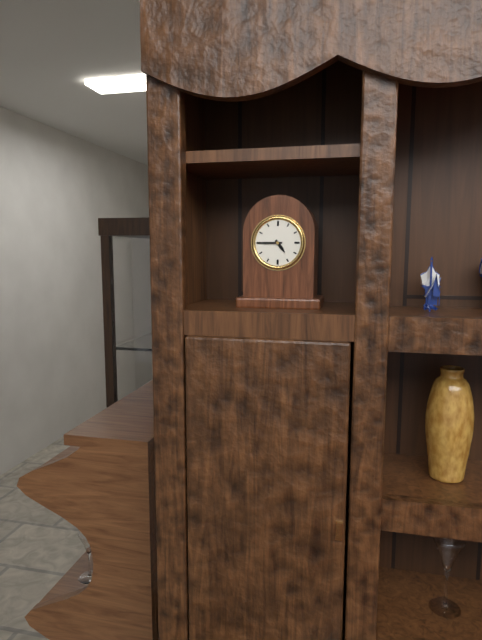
**4:45**
